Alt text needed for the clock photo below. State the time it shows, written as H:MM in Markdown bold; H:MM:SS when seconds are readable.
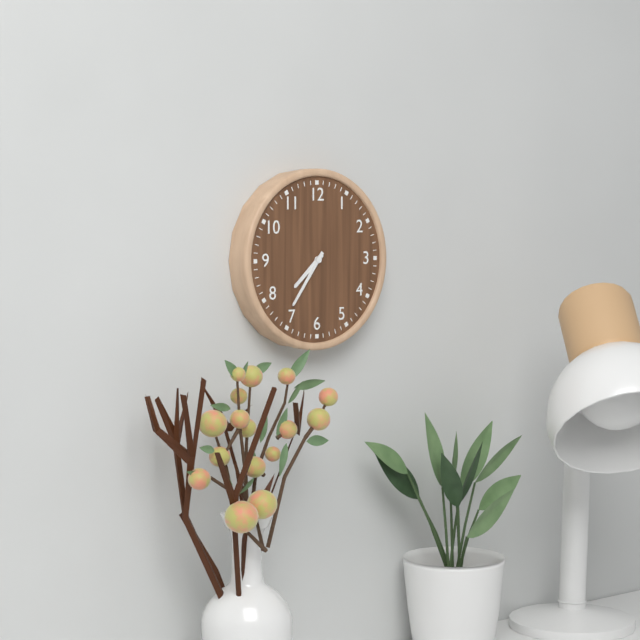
**7:36**
